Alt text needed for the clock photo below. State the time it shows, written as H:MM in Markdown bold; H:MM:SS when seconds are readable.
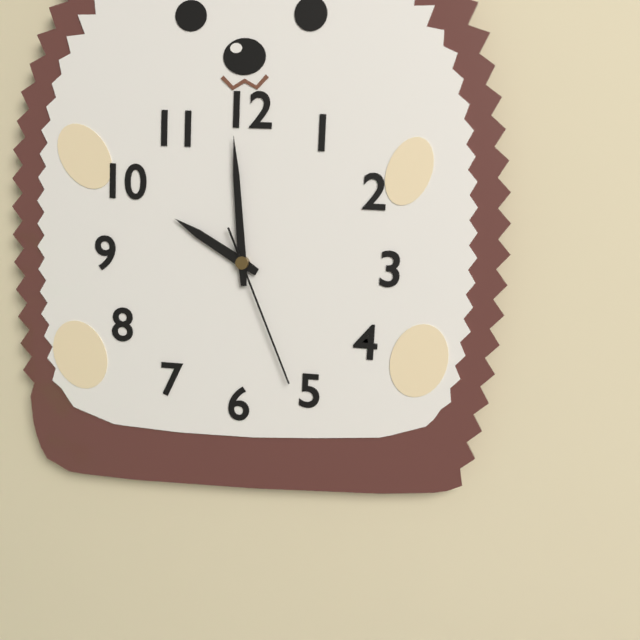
**9:59:26**
